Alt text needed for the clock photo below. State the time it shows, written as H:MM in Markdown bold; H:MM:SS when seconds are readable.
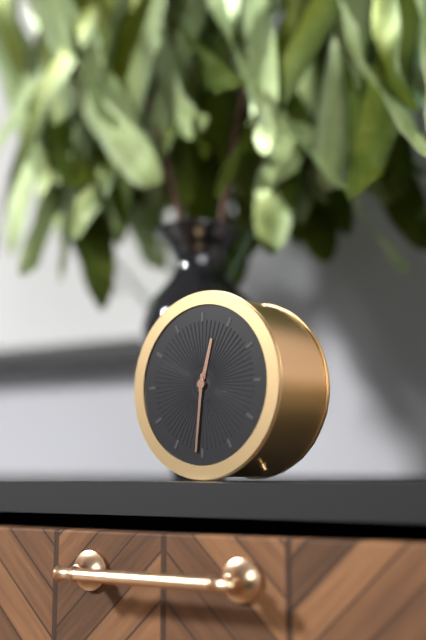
**12:31**
